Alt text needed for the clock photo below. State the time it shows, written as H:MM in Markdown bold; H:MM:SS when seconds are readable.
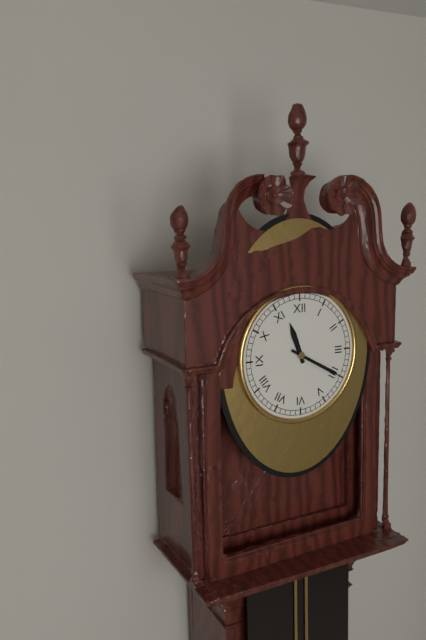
**11:20**
